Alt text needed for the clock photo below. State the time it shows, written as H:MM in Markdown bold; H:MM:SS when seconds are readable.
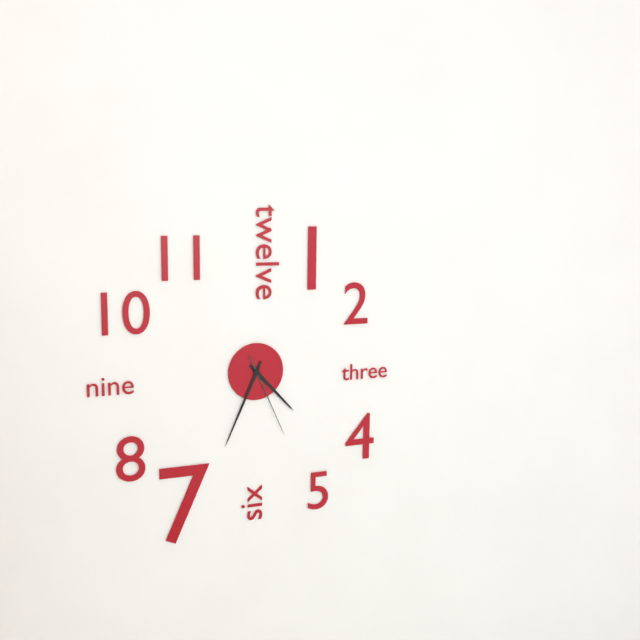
**4:34:26**
